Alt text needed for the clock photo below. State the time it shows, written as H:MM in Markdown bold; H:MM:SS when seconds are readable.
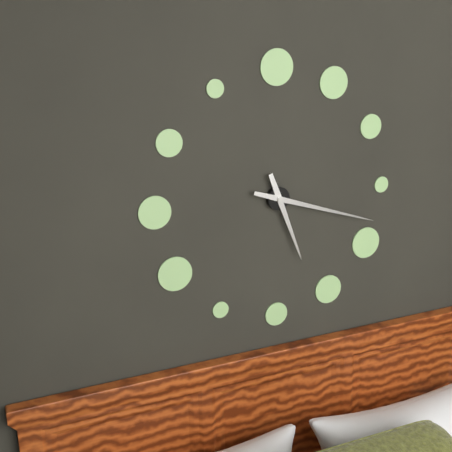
**5:18**
